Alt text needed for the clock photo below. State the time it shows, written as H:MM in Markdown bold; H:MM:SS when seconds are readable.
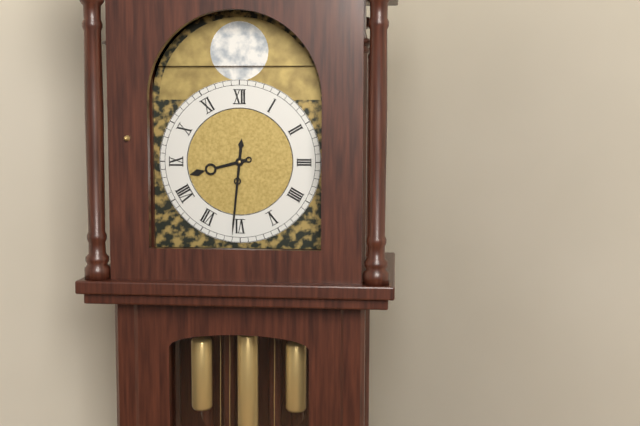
**8:31**
